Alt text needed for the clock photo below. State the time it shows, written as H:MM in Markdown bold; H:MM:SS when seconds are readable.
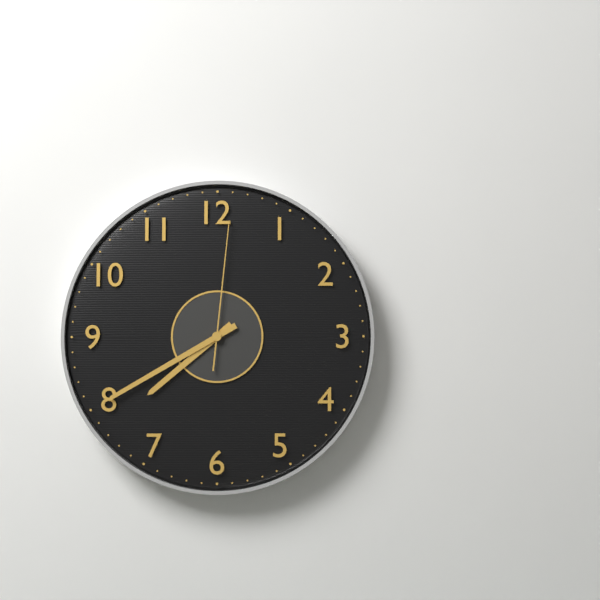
**7:40:01**
